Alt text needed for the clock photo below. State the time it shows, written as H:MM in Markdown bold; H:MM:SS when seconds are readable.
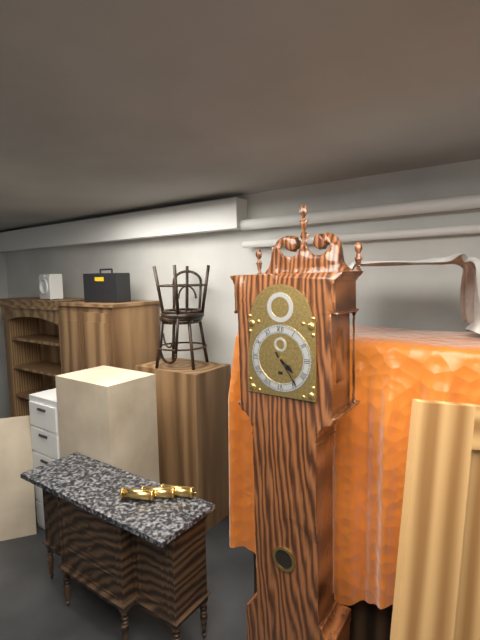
**4:24**
